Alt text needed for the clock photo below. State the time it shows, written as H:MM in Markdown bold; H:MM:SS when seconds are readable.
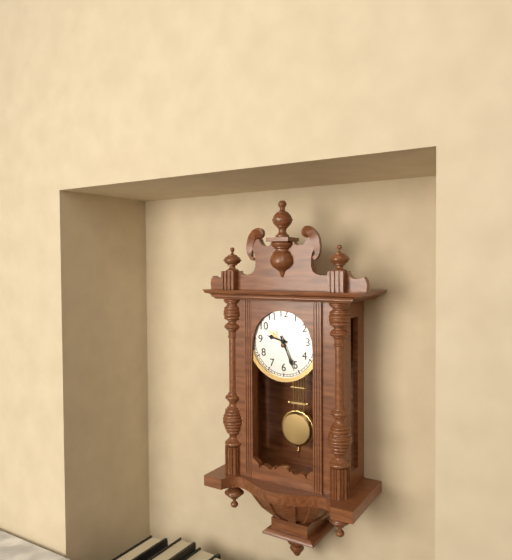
**9:26**
